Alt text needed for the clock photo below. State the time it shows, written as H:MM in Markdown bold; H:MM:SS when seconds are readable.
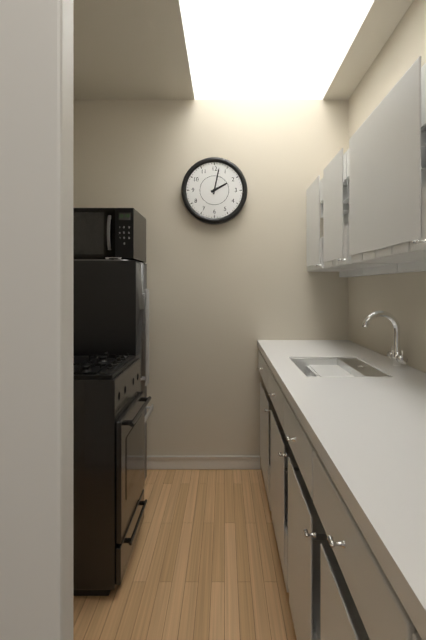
**2:02**
